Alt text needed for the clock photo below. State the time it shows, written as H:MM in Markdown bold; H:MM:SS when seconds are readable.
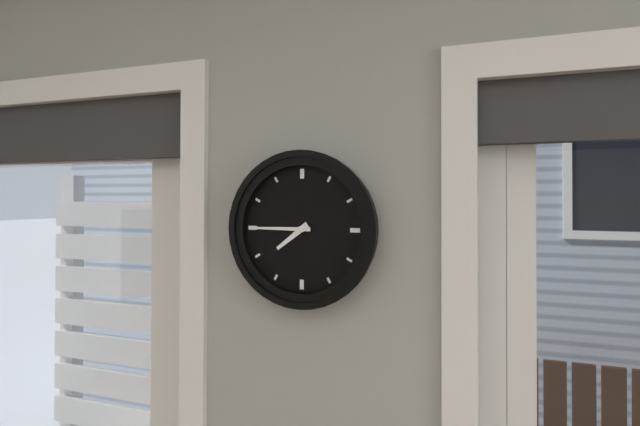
**7:45**
